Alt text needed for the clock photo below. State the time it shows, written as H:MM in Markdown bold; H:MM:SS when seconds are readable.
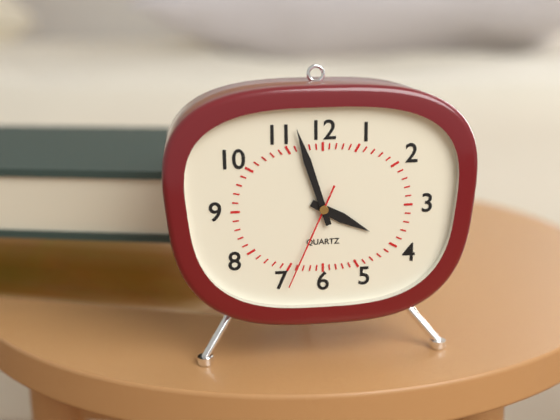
**3:57:34**
